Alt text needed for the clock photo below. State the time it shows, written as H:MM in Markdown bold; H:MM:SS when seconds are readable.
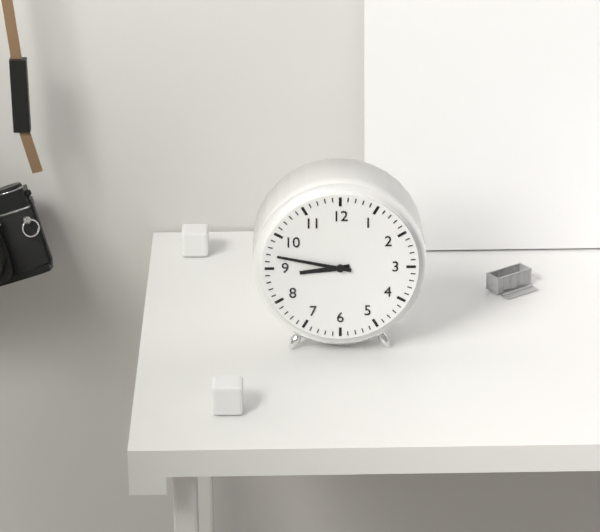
**8:47**
